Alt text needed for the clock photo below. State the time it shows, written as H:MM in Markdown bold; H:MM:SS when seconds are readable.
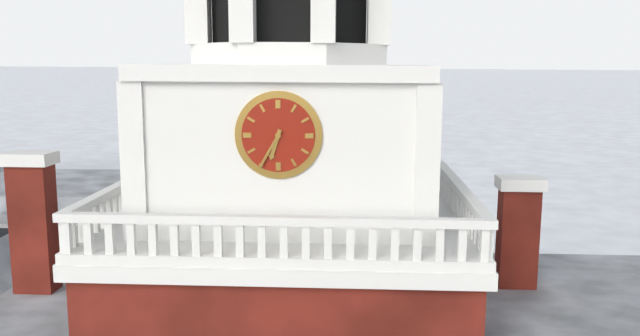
**6:35**
